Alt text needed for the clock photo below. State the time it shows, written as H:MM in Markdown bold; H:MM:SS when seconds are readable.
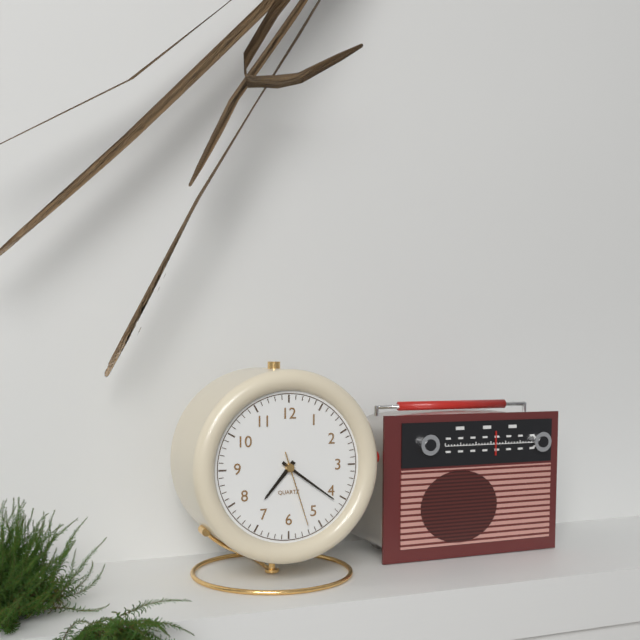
**7:21:27**
